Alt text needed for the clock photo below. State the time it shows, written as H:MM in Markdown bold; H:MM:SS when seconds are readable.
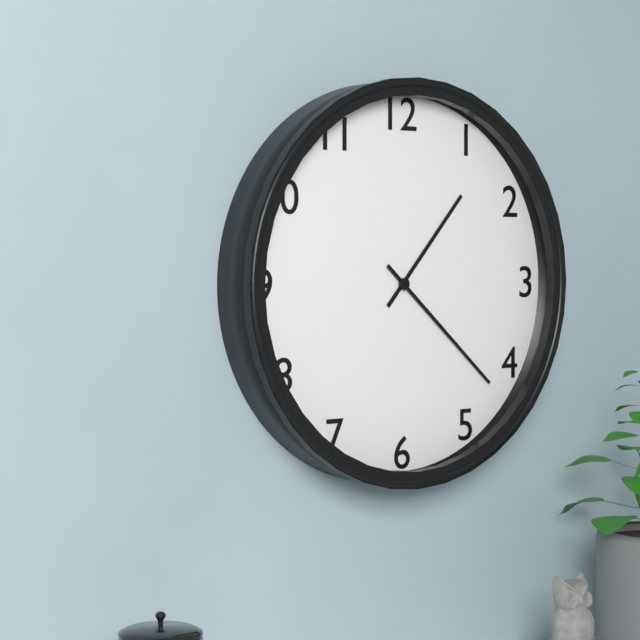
**1:22**
